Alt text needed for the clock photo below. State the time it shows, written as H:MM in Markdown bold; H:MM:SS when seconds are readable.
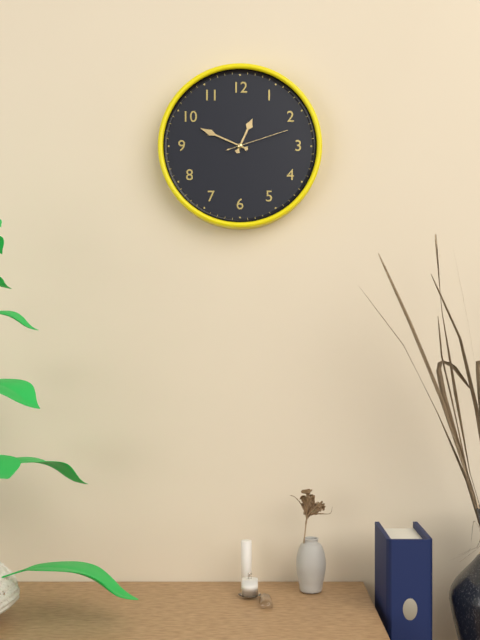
**12:49:12**
